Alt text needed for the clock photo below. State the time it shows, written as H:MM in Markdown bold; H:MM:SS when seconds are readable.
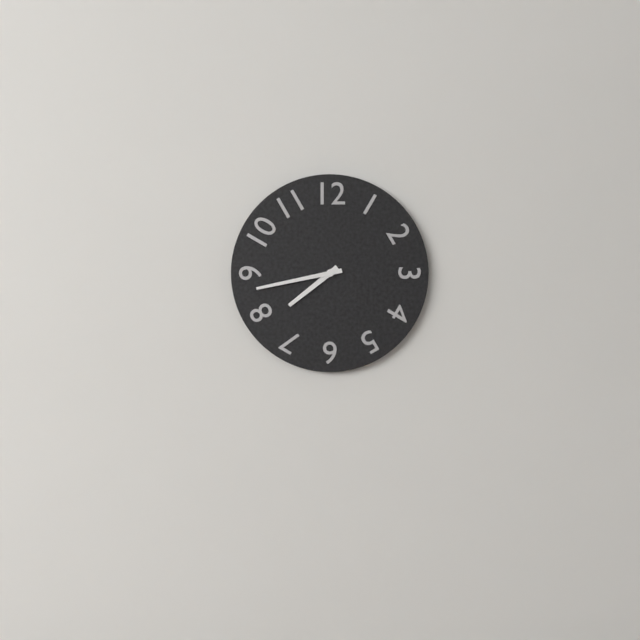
**7:43**
